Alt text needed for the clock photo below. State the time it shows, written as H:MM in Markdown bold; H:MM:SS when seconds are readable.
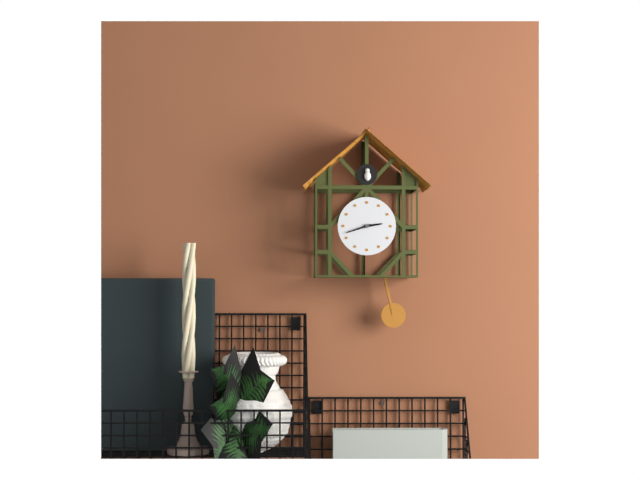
**2:42**
